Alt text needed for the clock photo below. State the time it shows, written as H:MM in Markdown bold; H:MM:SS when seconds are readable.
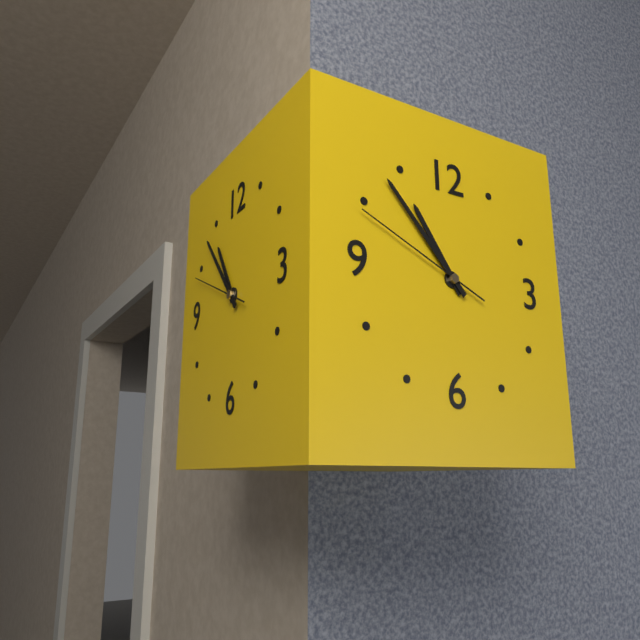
**10:53:49**
